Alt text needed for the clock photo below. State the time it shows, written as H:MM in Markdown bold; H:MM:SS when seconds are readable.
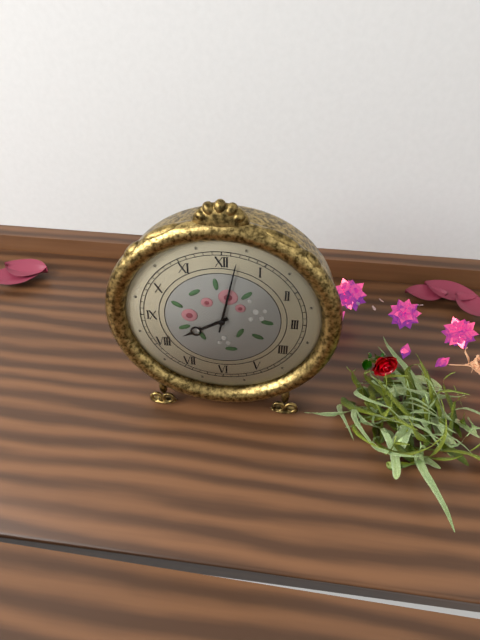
**8:02**
